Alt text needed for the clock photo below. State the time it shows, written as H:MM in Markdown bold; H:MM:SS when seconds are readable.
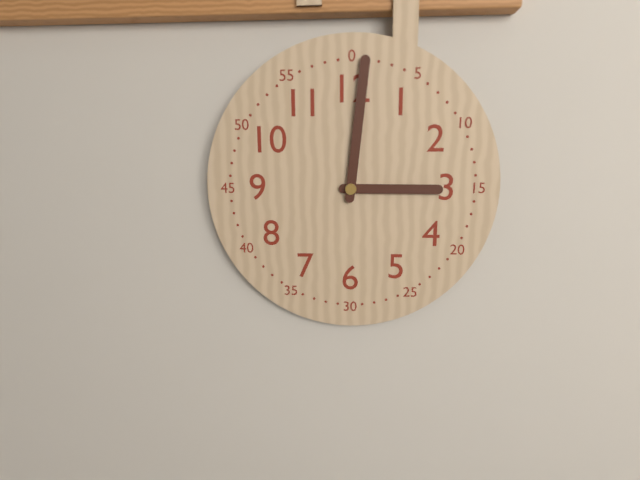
**3:01**
